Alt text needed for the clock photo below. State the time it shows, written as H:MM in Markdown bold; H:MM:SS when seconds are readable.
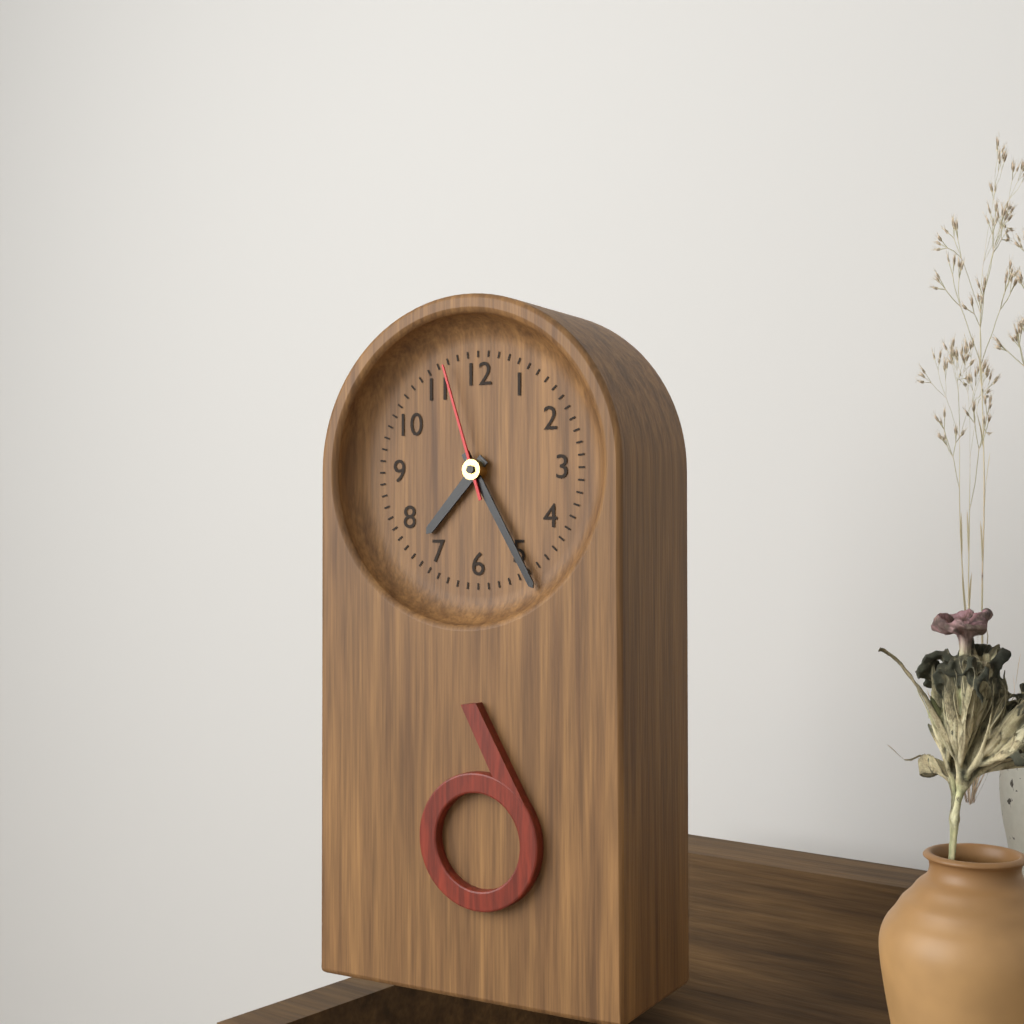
**7:25:57**
